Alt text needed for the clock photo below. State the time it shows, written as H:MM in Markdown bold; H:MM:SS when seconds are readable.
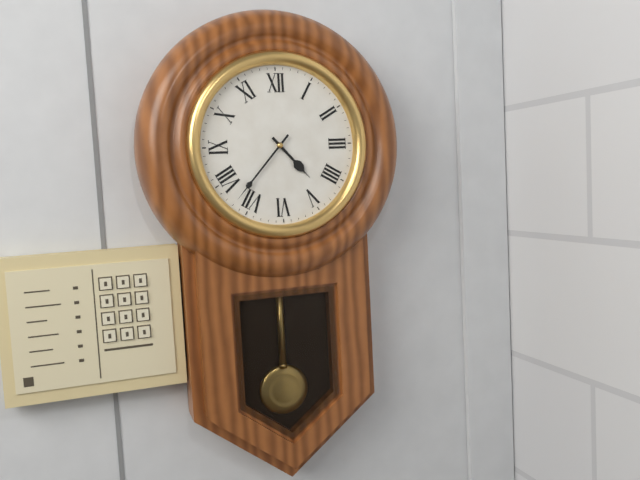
**4:37**
